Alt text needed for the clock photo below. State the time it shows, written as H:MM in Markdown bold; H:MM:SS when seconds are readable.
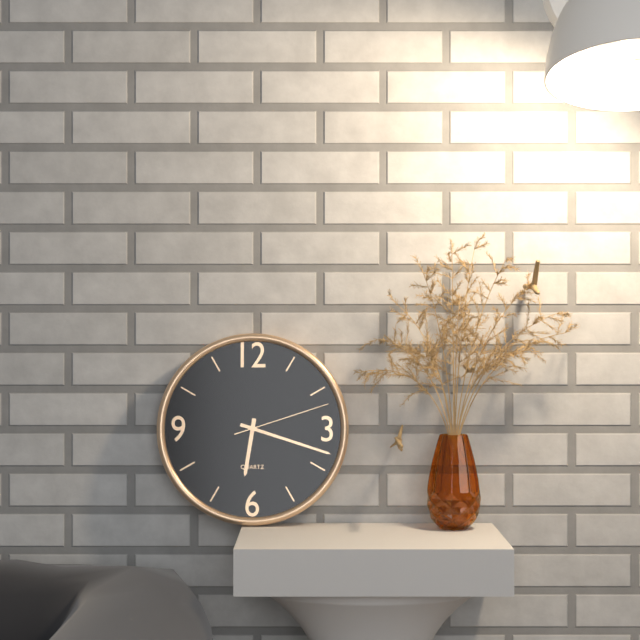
**6:18:12**
